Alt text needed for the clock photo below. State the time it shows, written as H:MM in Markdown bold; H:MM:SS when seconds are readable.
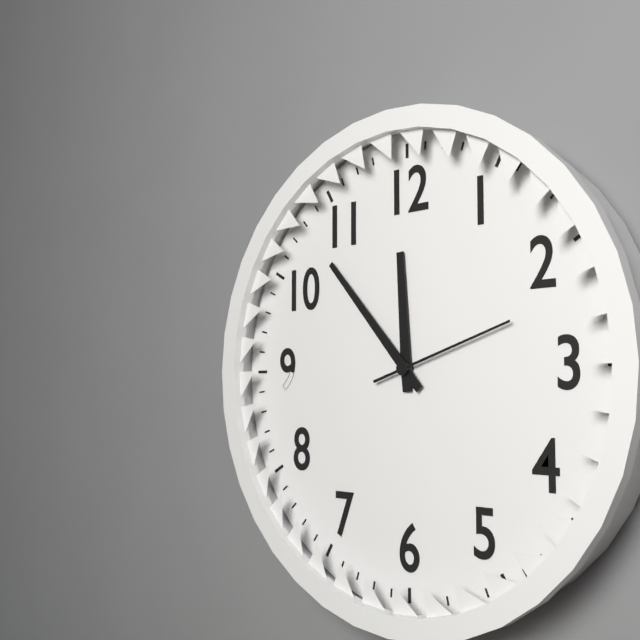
**11:53:12**
